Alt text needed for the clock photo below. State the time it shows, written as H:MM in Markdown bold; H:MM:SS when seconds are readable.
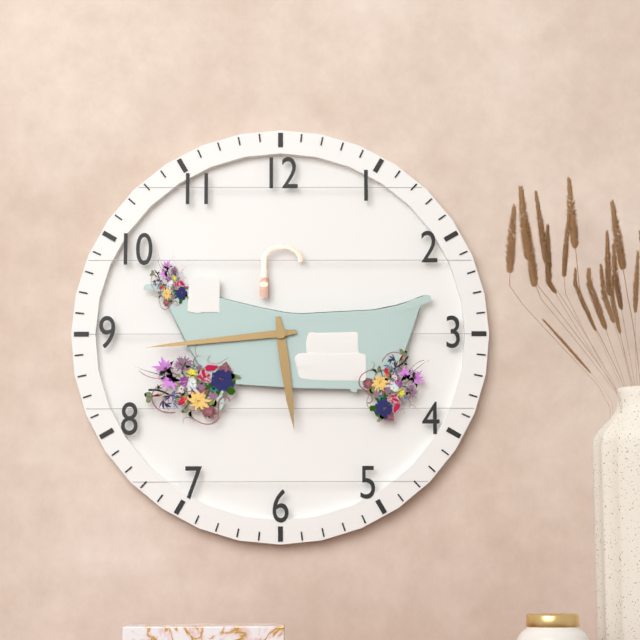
**5:44**
